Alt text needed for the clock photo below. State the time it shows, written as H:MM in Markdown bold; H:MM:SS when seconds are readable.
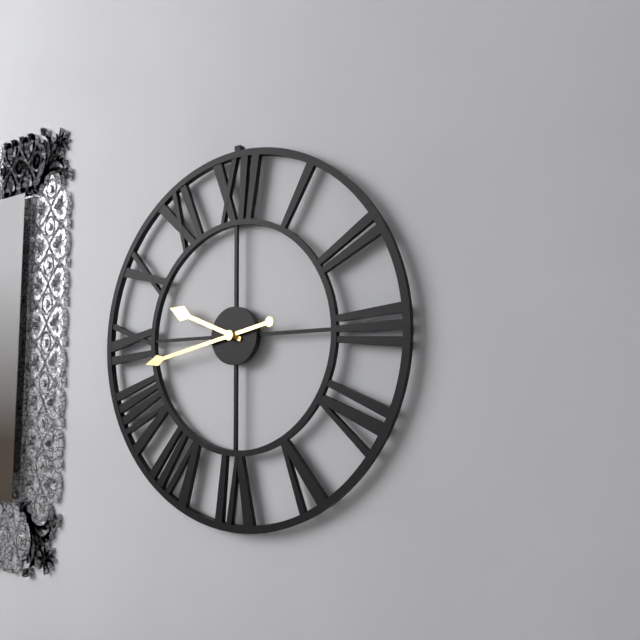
**9:43**
